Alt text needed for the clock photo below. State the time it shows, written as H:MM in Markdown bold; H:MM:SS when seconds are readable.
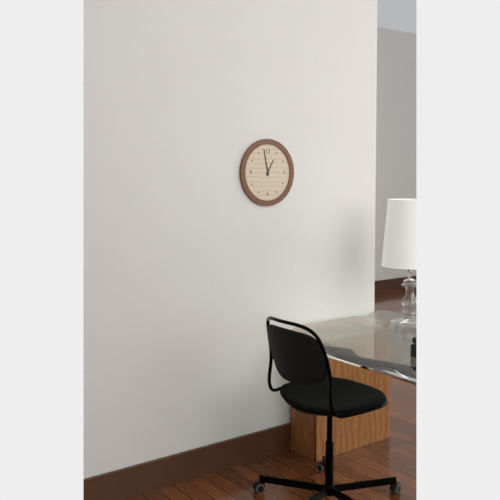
**12:58**
